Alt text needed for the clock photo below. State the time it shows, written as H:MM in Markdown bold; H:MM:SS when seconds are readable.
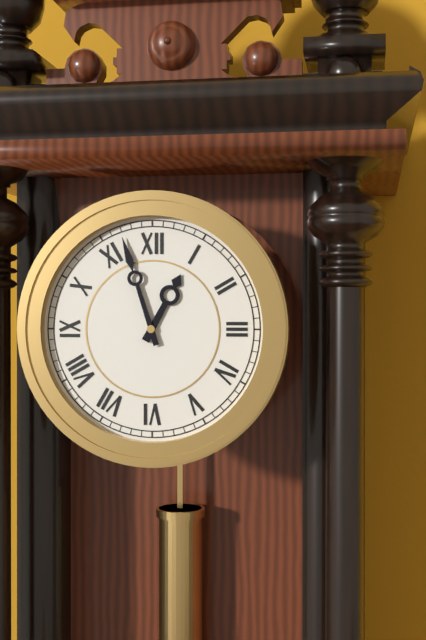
**12:57**
